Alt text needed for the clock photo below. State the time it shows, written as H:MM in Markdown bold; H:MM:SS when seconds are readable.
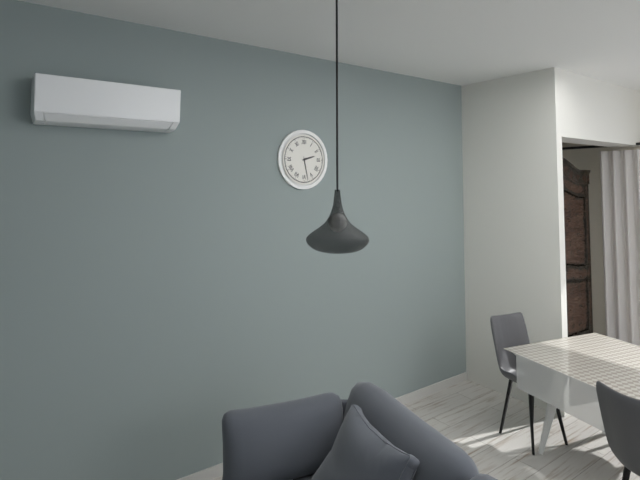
**2:28**
